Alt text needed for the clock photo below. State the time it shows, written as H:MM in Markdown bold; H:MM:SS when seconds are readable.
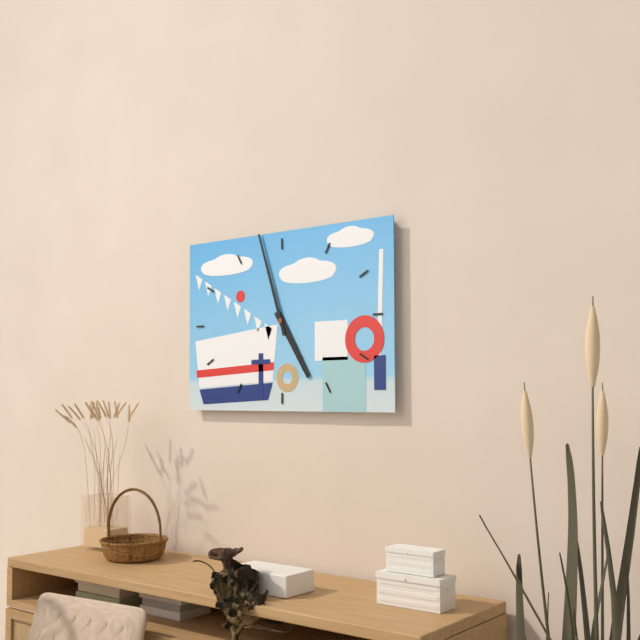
**4:57**
